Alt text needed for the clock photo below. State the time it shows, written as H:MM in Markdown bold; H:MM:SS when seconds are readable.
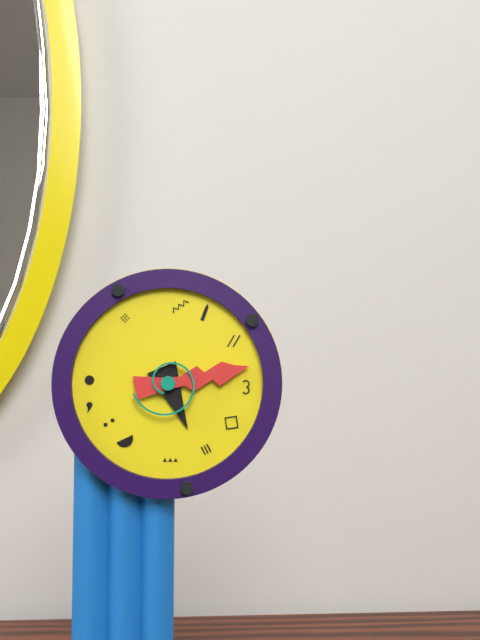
**5:13**
